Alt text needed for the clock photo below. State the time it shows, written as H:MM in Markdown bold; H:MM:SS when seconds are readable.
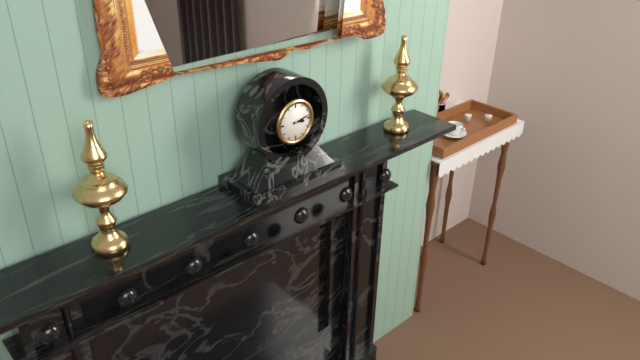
**3:13**
